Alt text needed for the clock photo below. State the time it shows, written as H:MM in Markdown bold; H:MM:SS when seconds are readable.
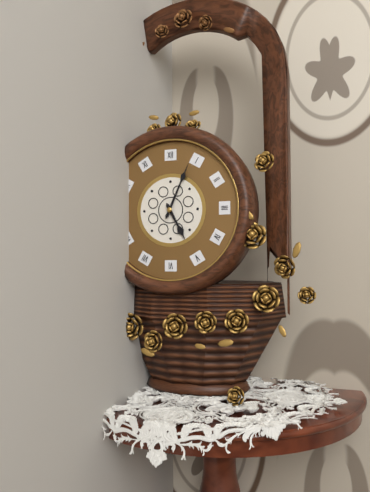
**5:04**
